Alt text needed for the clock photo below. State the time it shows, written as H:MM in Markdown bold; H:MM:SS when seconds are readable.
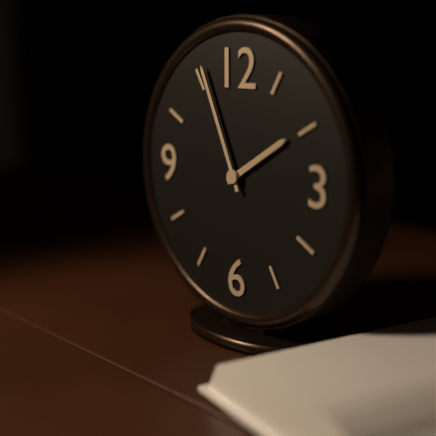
**1:56**
